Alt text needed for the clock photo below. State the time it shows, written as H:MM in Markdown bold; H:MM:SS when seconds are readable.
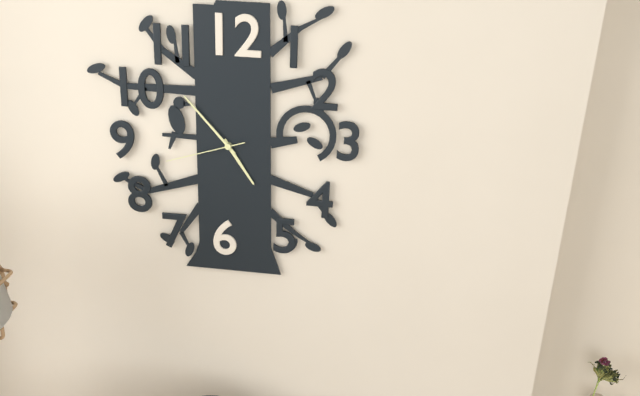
**4:53:42**
